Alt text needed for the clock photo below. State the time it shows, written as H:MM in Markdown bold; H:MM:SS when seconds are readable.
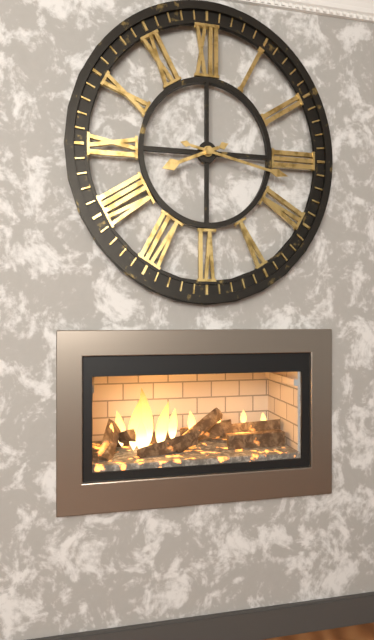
**8:17**
